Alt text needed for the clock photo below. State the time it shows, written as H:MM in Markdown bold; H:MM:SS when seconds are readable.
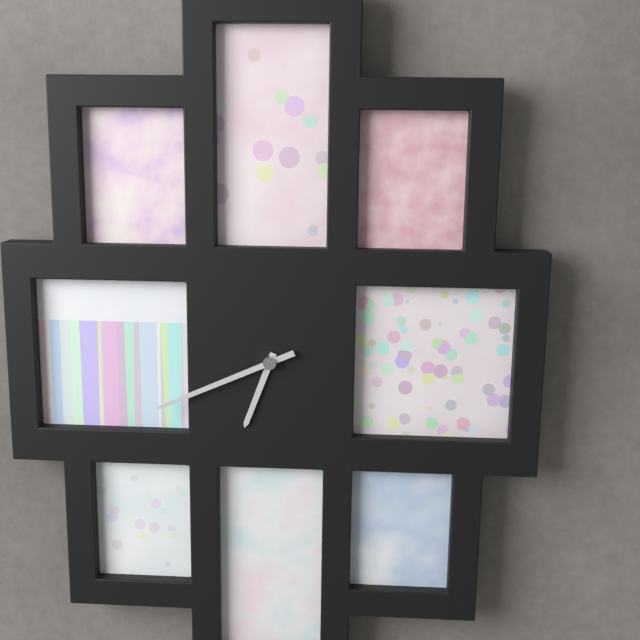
**6:41**
